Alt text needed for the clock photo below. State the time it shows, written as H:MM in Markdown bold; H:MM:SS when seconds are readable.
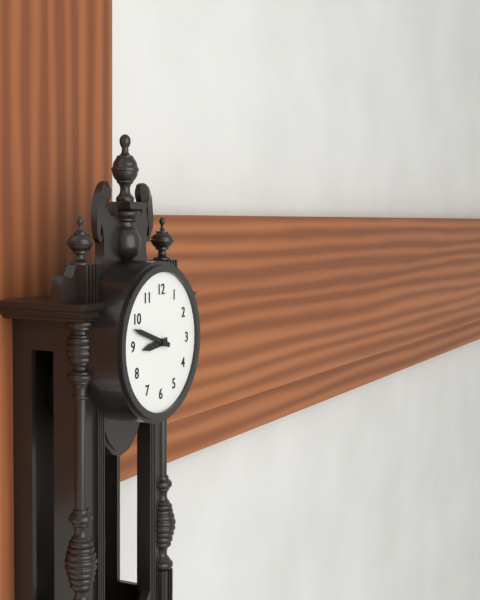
**8:48**
